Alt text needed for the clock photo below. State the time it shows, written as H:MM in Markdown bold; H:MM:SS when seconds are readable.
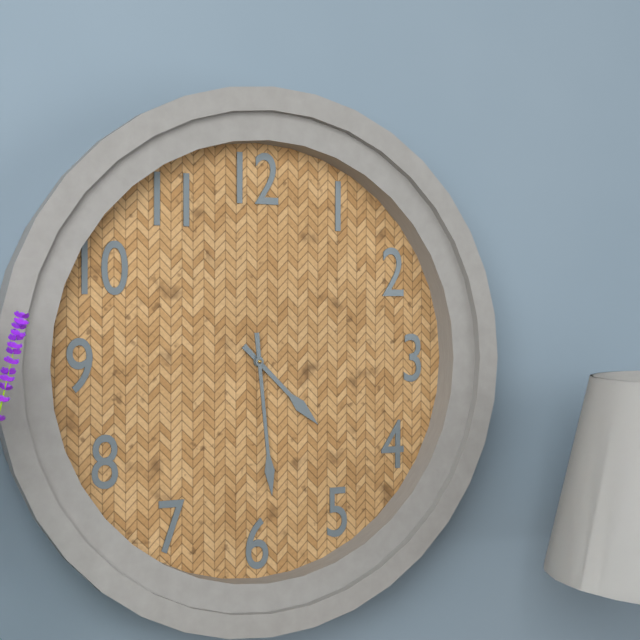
**4:29**
